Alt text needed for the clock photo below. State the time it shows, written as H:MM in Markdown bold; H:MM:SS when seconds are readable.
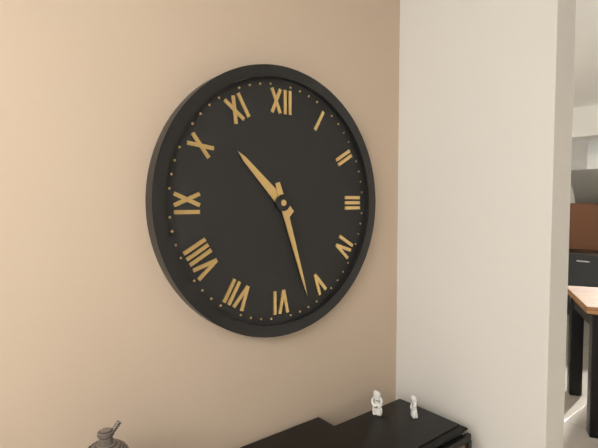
**10:27**
